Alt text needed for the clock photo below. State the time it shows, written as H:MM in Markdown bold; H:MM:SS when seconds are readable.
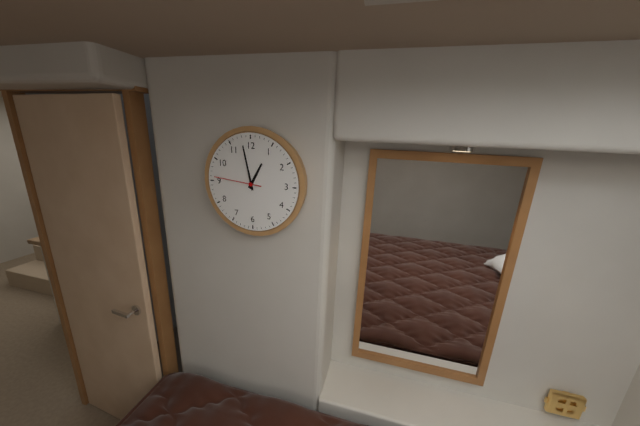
**12:58**
